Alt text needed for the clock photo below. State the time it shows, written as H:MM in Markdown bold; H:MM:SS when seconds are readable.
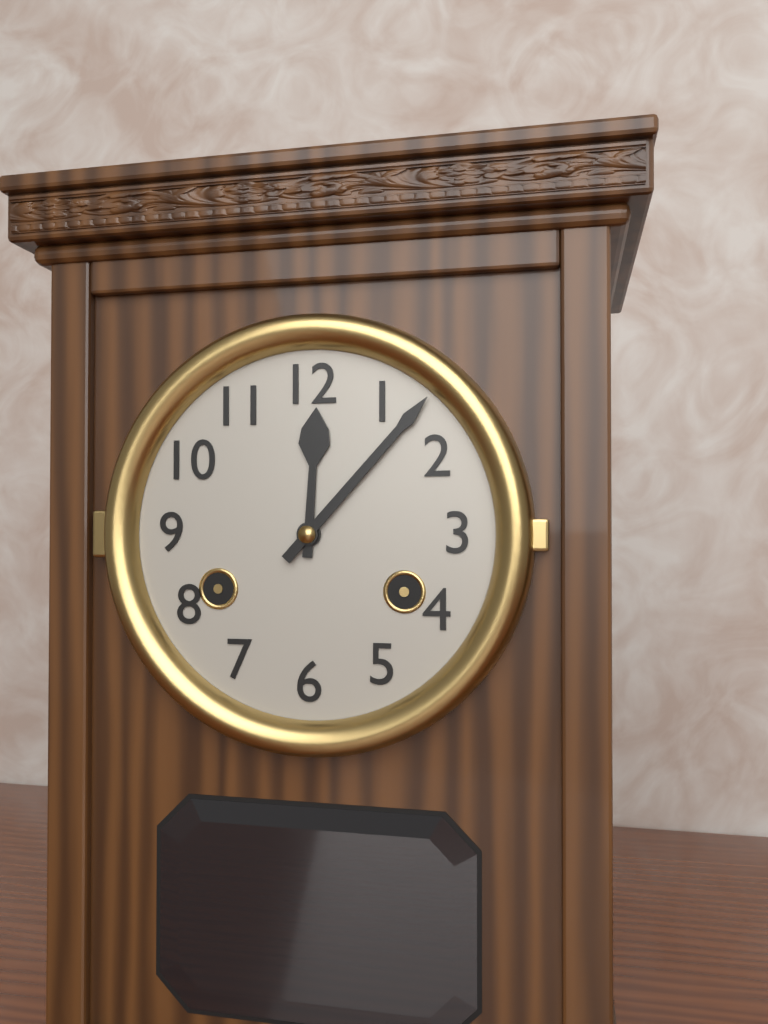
**12:07**
